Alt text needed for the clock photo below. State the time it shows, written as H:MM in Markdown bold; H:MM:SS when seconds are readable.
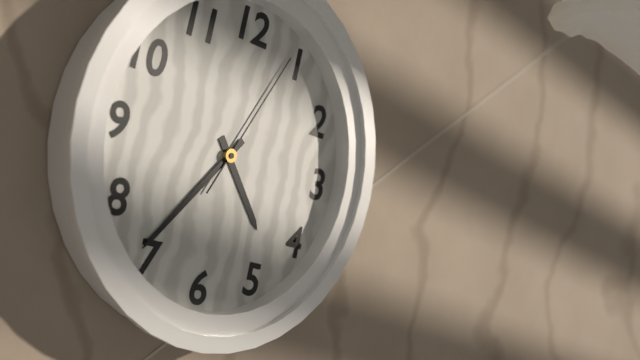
**4:36:04**
